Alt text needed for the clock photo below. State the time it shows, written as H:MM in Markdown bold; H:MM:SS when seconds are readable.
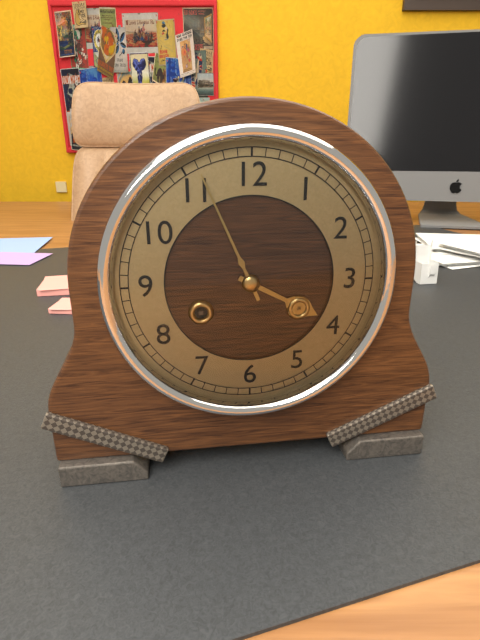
**3:56**
